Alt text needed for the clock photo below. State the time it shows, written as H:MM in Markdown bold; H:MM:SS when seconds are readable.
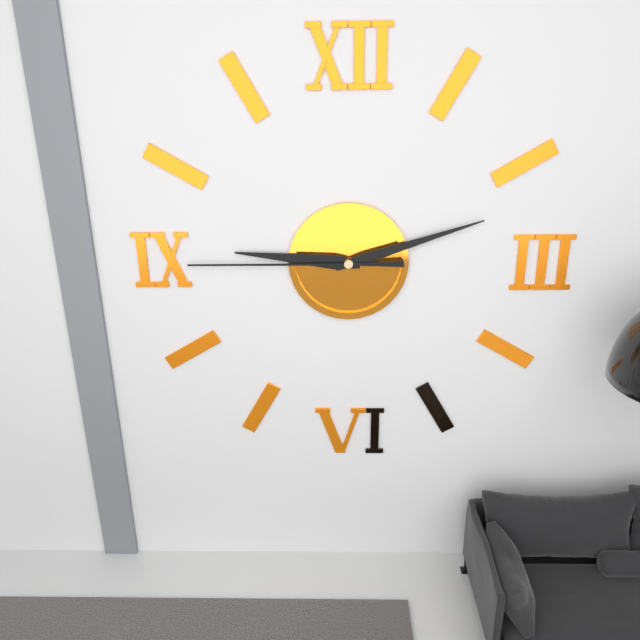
**9:12:45**
